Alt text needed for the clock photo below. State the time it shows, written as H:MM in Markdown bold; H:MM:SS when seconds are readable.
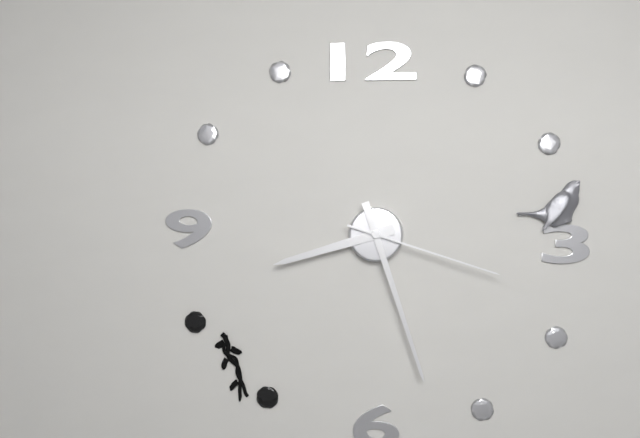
**8:27:18**
